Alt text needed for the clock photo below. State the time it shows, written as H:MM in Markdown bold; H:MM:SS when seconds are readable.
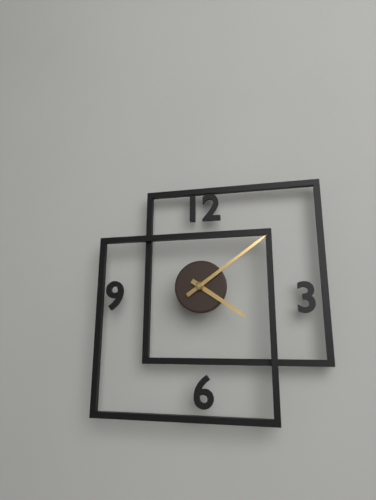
**4:09**
